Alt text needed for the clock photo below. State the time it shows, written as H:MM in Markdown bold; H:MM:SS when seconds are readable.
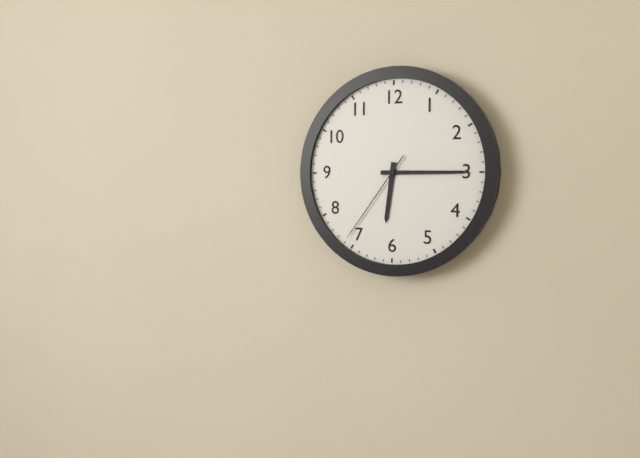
**6:15:36**
